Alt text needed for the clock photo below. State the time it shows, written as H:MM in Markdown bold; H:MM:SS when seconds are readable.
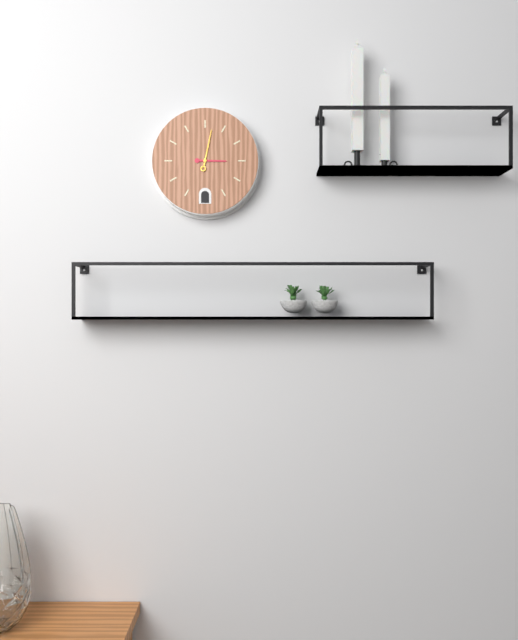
**3:02**
